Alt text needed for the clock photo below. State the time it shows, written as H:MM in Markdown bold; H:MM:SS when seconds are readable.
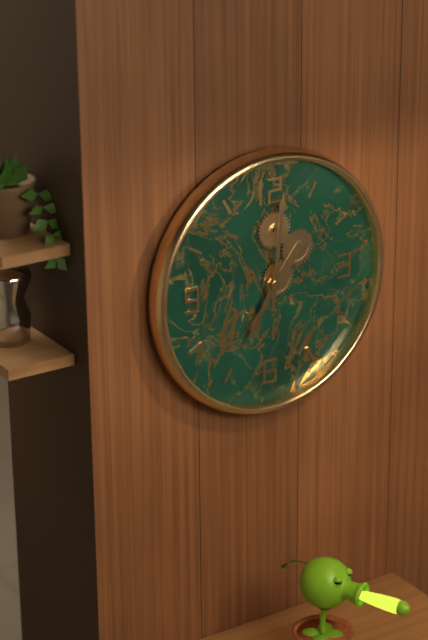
**7:01**
